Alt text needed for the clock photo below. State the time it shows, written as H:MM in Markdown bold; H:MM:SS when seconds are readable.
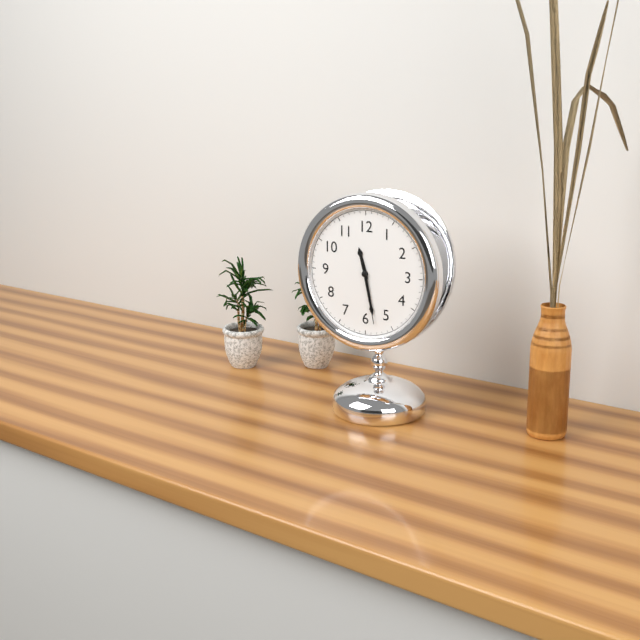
**11:28:28**
